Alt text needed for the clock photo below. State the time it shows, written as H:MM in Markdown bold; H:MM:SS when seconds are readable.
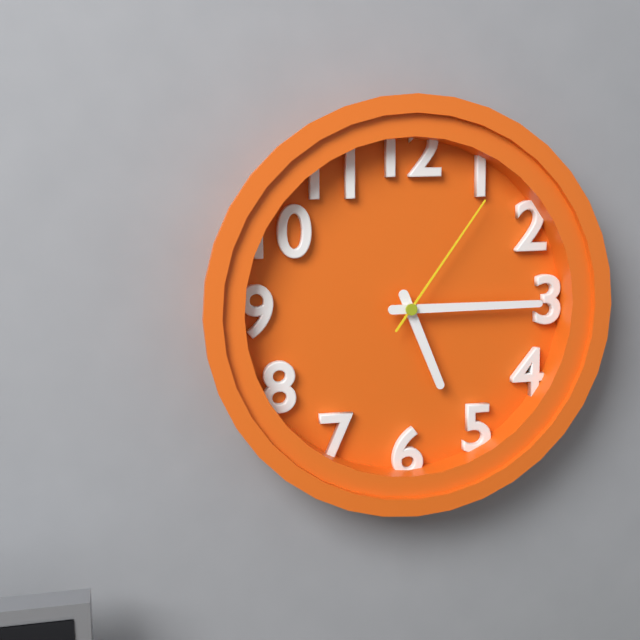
**5:15:06**
